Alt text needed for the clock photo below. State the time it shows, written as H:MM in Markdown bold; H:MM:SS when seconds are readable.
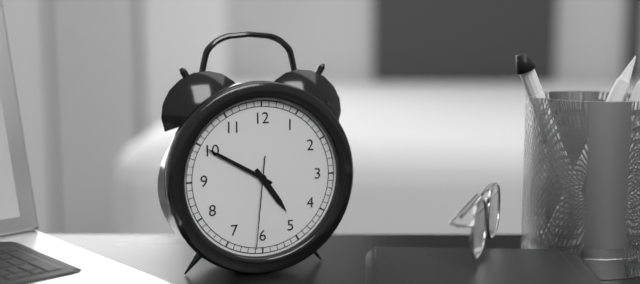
**4:50:31**
